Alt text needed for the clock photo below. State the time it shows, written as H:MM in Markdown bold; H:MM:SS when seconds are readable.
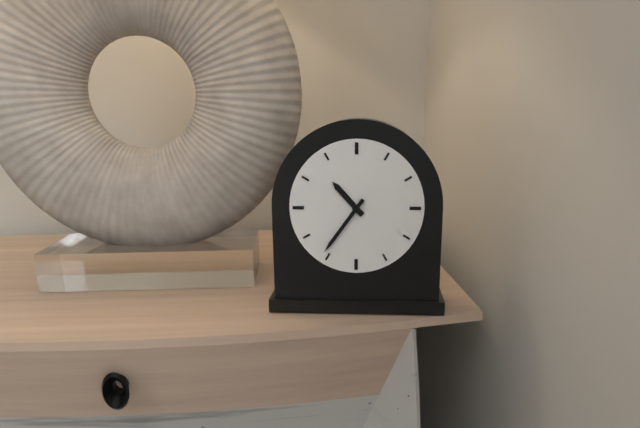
**10:36**
